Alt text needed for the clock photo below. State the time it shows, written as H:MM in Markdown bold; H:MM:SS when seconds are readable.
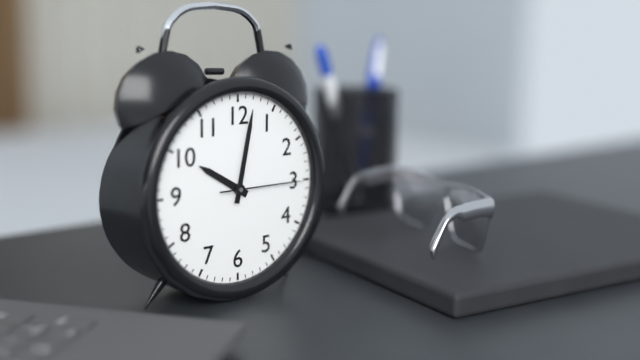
**10:02:15**
